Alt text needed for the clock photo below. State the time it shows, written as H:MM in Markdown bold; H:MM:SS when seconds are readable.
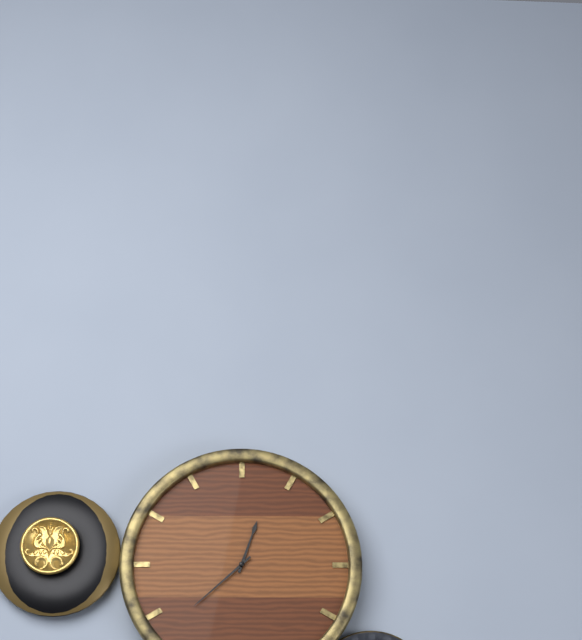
**12:38**
